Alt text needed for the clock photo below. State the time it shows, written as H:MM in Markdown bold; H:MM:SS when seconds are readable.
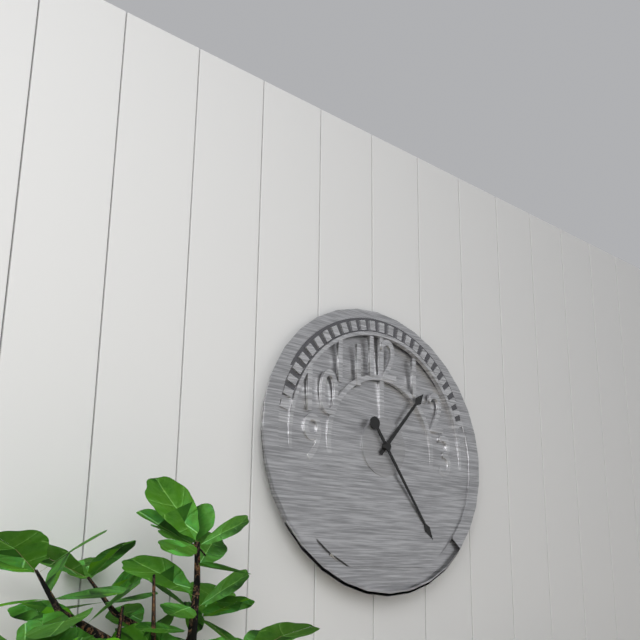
**1:24**
